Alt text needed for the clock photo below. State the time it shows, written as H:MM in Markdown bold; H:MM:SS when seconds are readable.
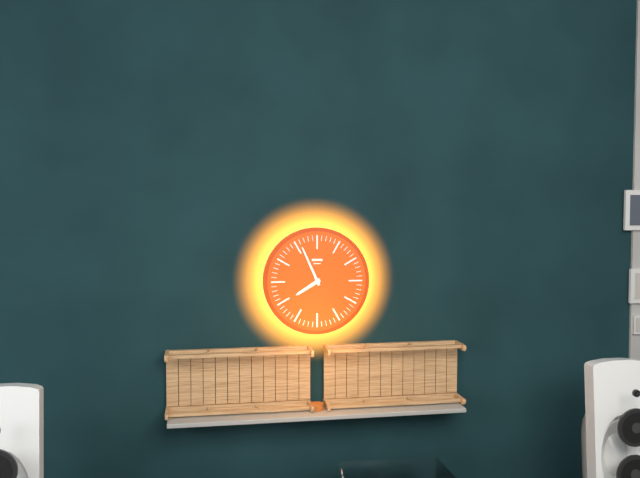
**7:56**
